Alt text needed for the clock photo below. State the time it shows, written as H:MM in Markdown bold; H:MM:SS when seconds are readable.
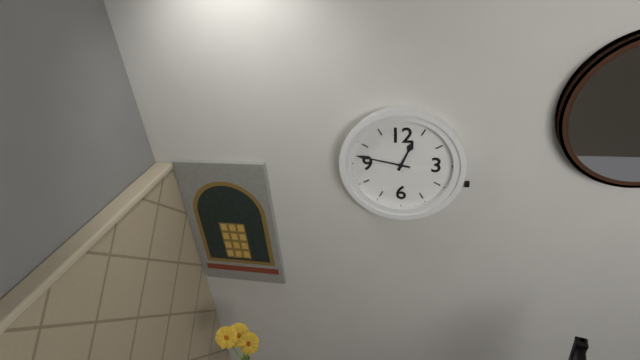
**12:47**
